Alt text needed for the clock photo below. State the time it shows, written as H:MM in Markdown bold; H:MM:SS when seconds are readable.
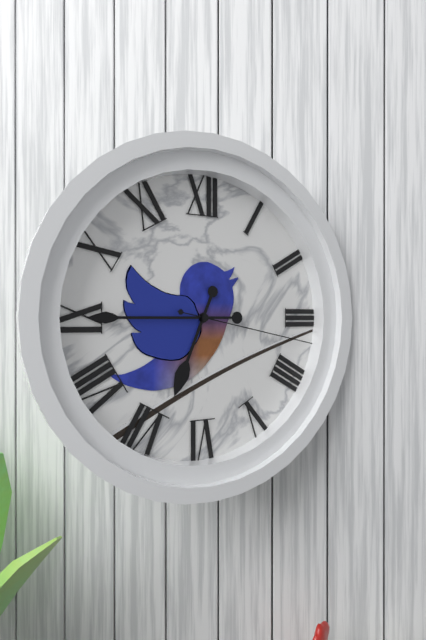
**6:45:17**
